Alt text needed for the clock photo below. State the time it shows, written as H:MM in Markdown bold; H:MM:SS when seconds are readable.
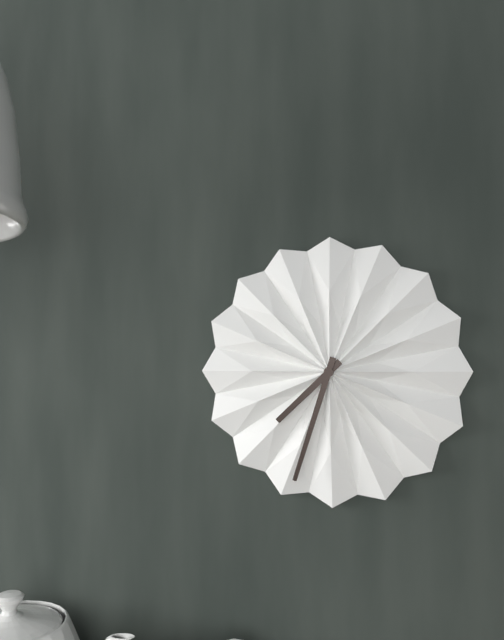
**7:33**
